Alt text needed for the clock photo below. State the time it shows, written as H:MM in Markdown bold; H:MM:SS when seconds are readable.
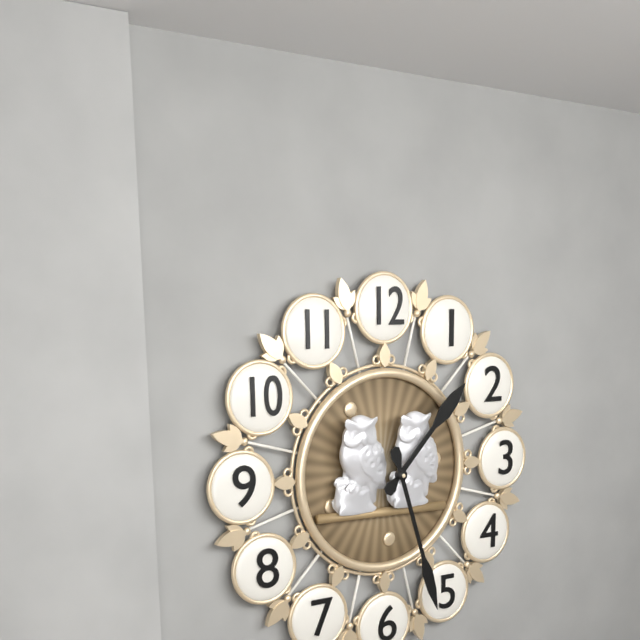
**1:27**
